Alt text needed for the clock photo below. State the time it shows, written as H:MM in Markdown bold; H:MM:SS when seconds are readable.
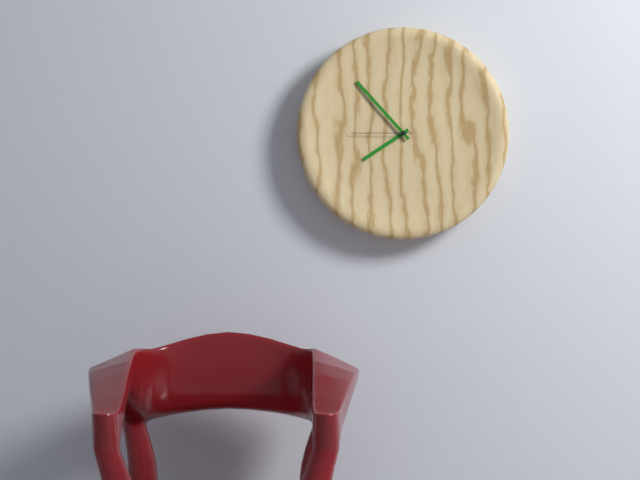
**7:53:45**
